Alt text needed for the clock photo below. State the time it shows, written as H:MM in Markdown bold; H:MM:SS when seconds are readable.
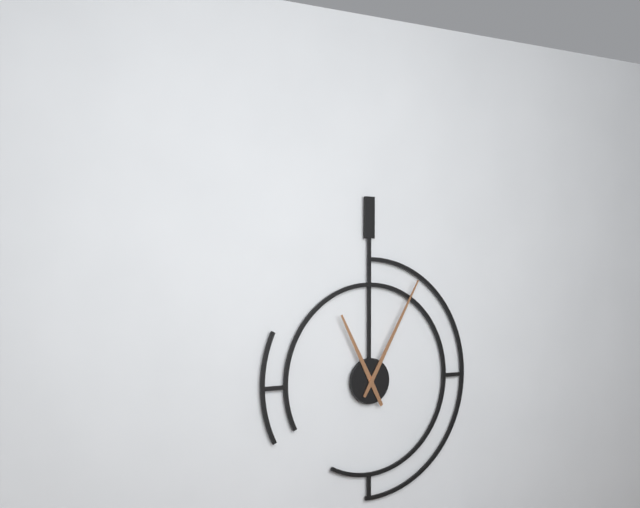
**11:05**
